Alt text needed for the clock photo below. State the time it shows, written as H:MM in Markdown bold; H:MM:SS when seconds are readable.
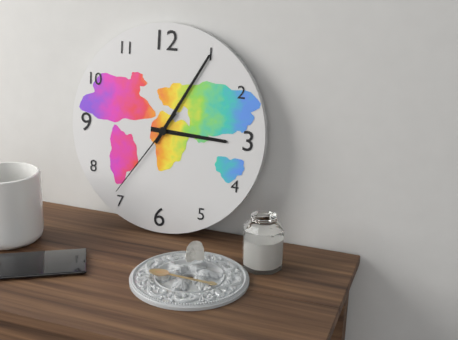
**3:05:36**
